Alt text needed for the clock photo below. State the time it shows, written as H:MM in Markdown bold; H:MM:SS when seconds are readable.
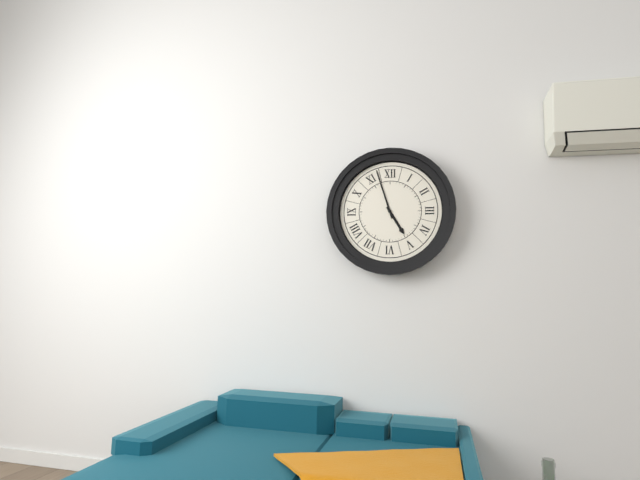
**4:57**
